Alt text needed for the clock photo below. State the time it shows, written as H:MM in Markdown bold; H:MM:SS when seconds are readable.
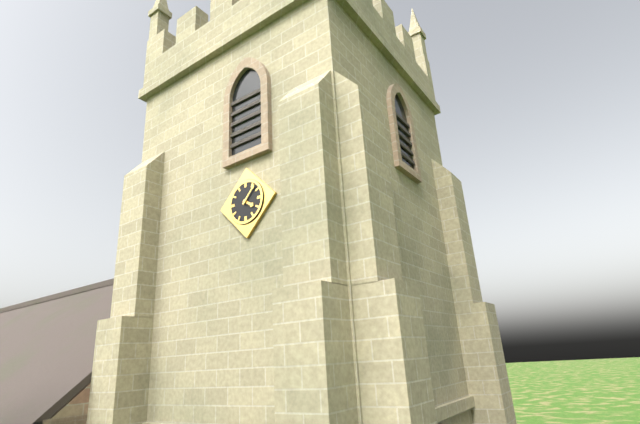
**4:07**
